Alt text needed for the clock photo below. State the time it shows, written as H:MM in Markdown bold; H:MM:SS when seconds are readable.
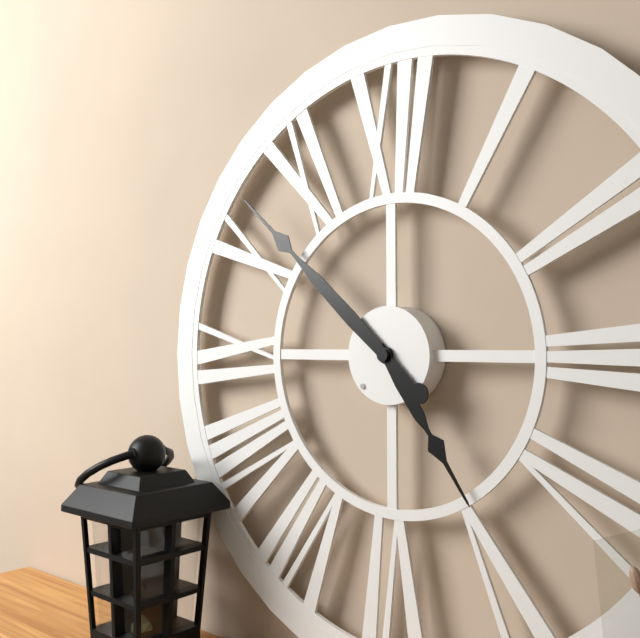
**4:52**
